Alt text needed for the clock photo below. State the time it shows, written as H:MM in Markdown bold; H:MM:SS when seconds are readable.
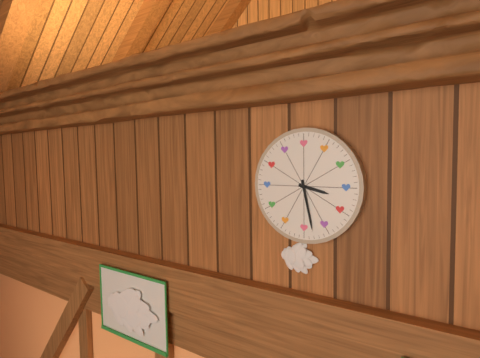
**3:28**
